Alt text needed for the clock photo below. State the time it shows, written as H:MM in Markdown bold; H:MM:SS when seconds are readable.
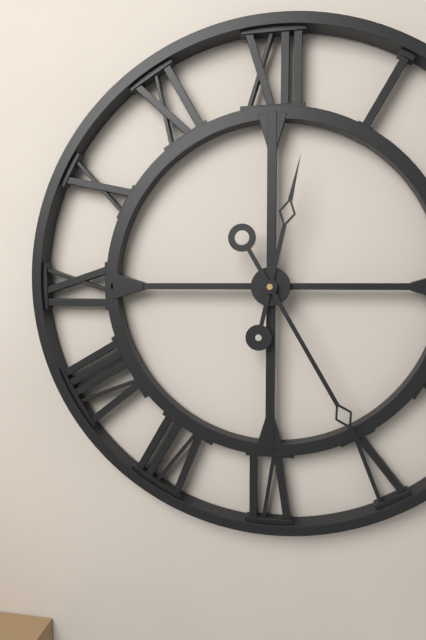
**12:25**
